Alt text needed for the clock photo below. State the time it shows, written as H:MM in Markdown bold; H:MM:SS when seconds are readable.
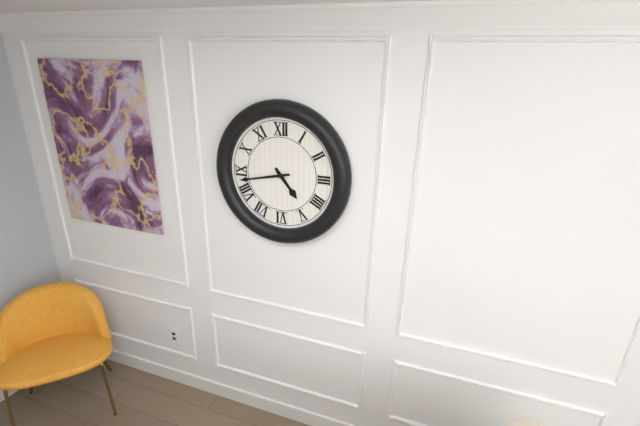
**4:43**
